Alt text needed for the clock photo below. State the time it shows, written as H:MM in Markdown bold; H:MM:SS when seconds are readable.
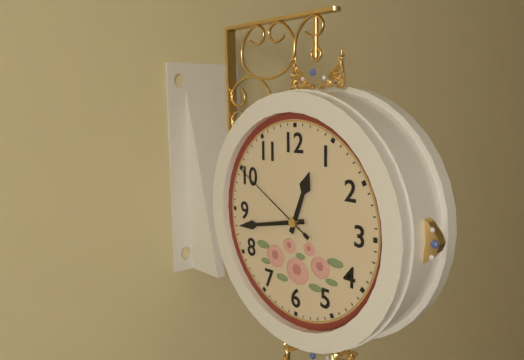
**12:43:50**
